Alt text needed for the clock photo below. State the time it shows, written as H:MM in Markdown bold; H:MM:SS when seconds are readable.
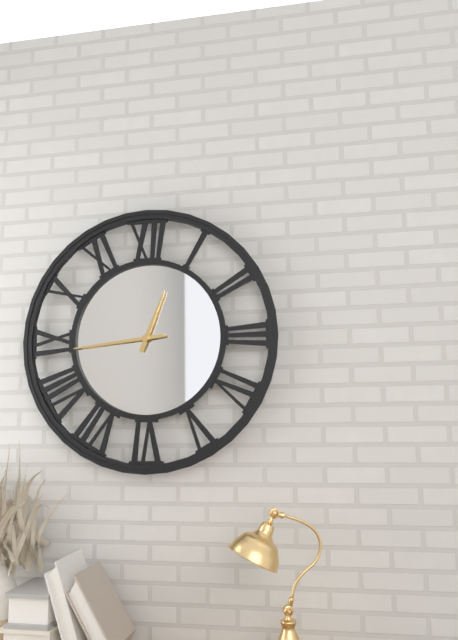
**12:44**
